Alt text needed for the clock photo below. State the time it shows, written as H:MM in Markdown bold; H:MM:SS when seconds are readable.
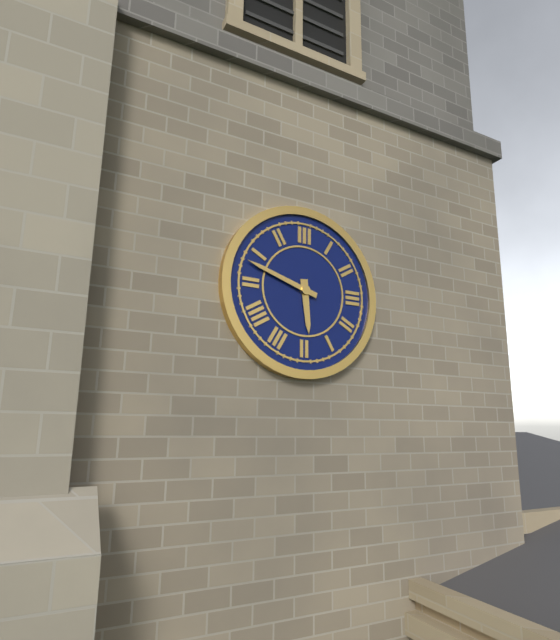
**5:48**
